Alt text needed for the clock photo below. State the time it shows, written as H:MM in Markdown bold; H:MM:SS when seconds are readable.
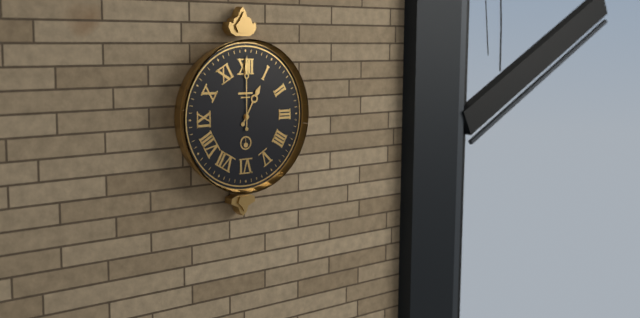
**1:00**
